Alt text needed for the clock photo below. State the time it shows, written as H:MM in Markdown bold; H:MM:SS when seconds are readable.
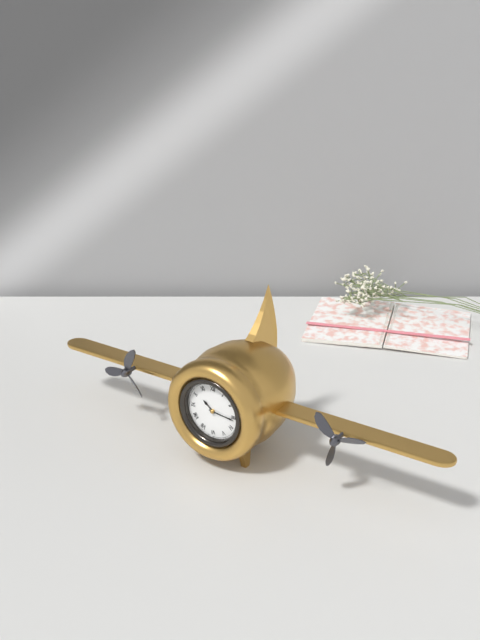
**10:16**
